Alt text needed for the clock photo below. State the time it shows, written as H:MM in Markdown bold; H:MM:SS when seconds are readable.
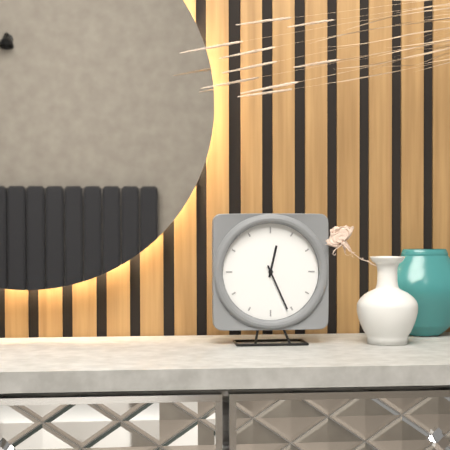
**12:26**
